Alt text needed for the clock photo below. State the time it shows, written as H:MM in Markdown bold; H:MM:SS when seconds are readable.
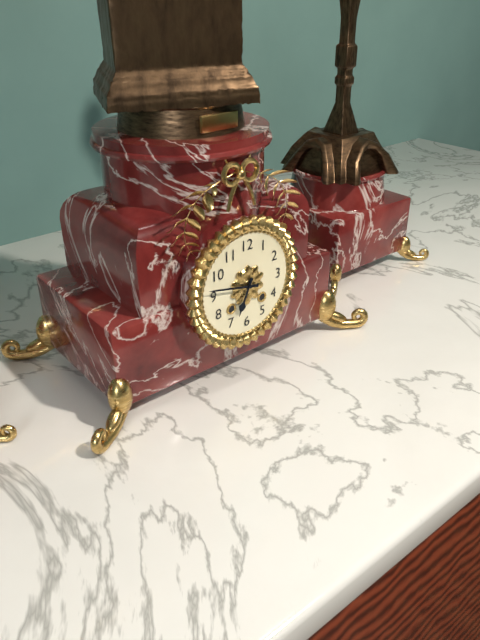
**6:47**
